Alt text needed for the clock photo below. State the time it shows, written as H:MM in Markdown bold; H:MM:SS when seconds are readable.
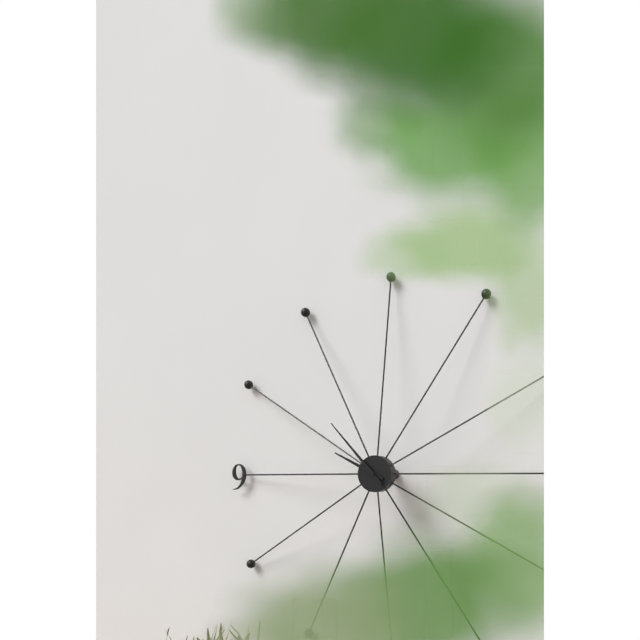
**9:53**
